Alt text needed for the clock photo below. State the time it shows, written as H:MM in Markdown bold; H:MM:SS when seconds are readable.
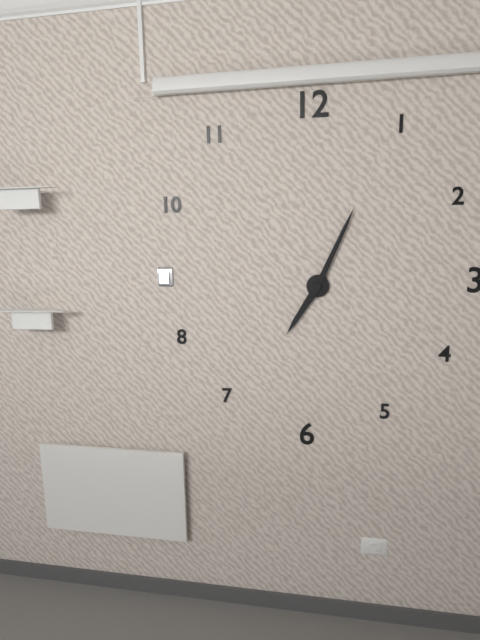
**7:04**
